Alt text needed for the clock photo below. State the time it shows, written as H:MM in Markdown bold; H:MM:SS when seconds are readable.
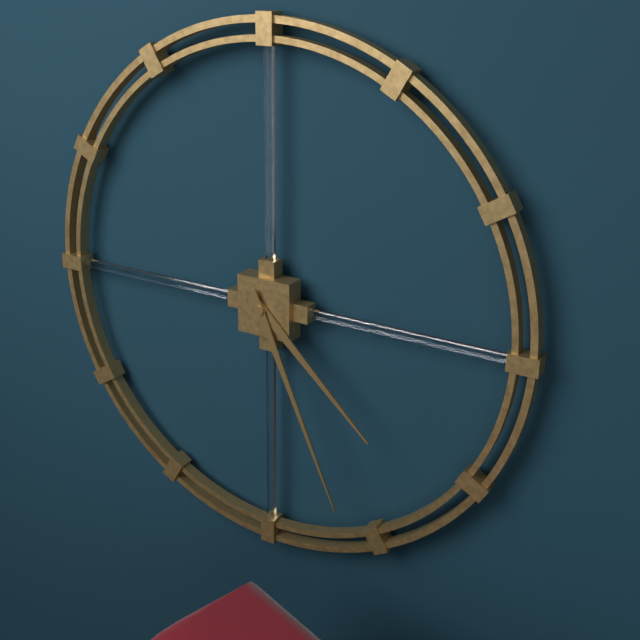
**4:26**
